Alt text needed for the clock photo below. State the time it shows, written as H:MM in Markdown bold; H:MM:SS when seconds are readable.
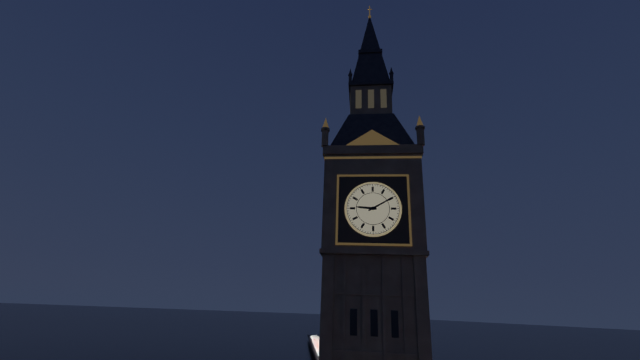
**9:10**
